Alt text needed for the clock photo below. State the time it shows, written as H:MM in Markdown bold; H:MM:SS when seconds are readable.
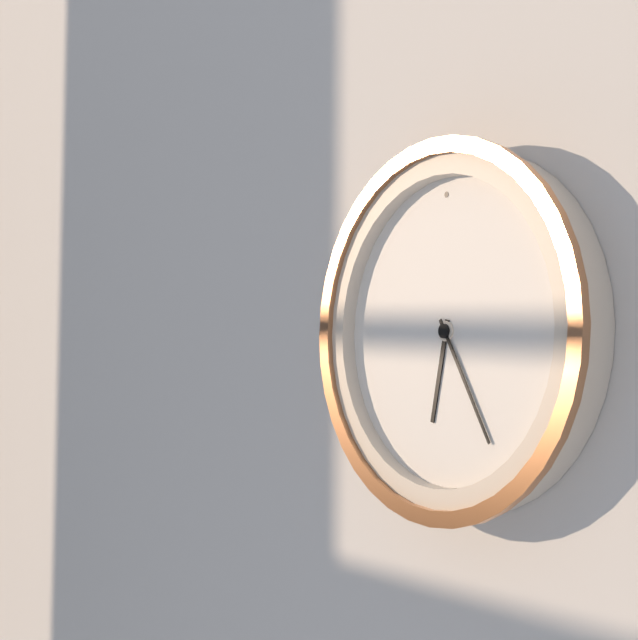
**6:25**
